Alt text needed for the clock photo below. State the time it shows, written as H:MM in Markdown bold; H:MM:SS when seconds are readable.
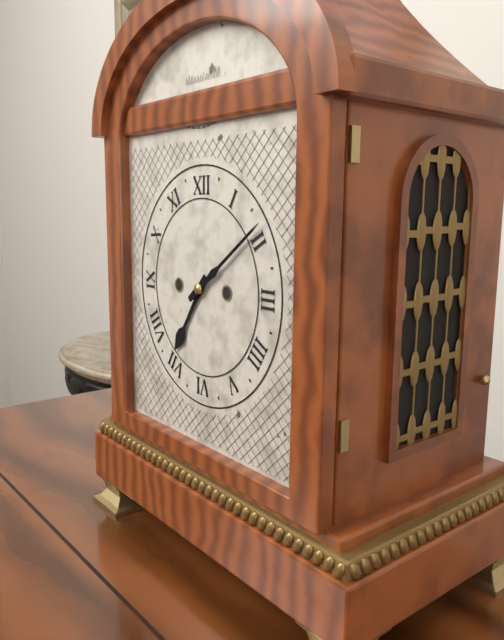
**7:09**
